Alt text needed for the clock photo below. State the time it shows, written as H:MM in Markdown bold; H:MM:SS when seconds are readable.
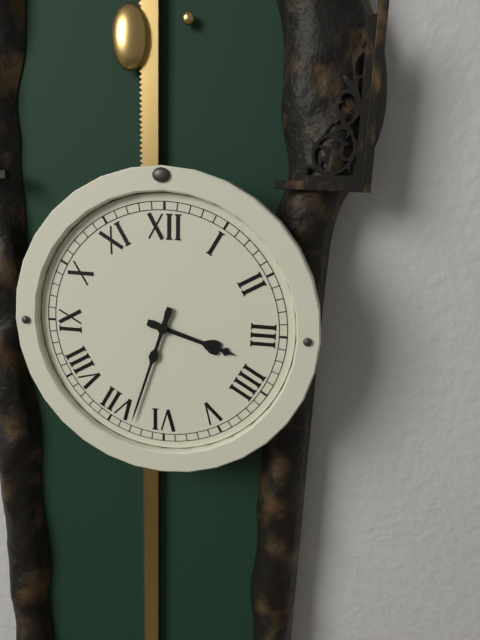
**3:33**
